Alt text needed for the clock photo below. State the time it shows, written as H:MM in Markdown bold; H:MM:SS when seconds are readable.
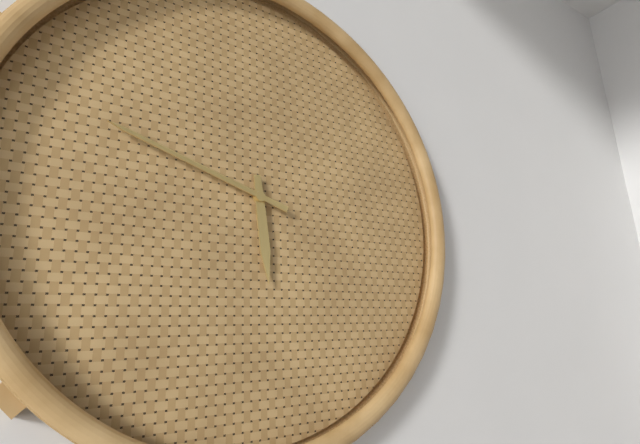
**5:48**
